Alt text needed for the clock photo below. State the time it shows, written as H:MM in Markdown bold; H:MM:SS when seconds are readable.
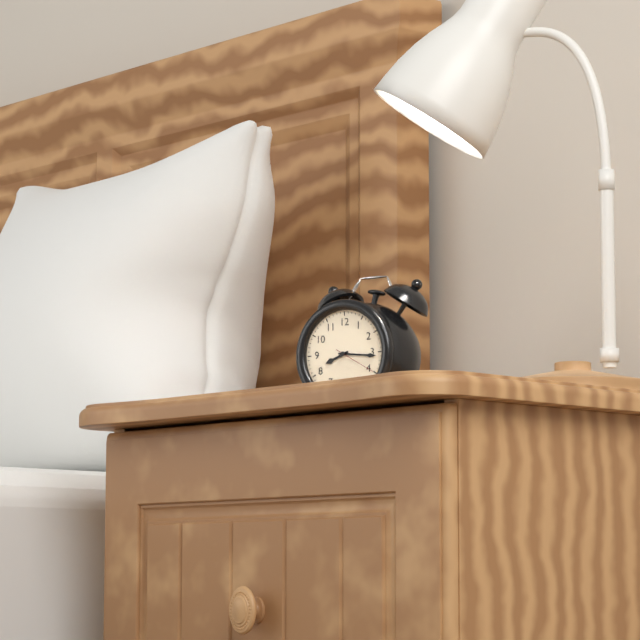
**8:16**
